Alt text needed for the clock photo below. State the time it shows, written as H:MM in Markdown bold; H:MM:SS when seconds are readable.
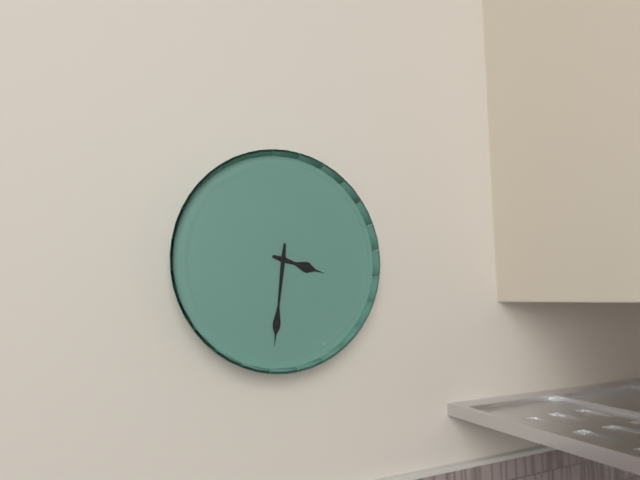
**3:31**
